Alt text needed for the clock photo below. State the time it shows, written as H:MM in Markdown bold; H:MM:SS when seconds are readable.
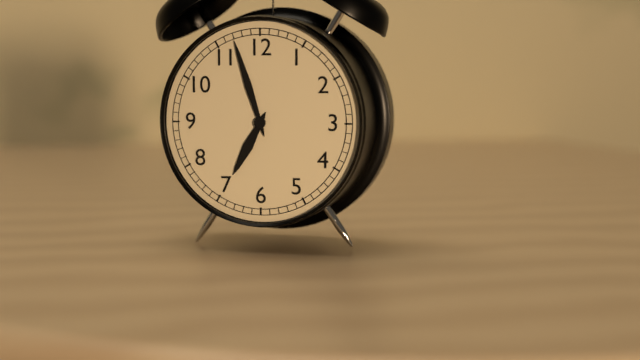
**6:57**
